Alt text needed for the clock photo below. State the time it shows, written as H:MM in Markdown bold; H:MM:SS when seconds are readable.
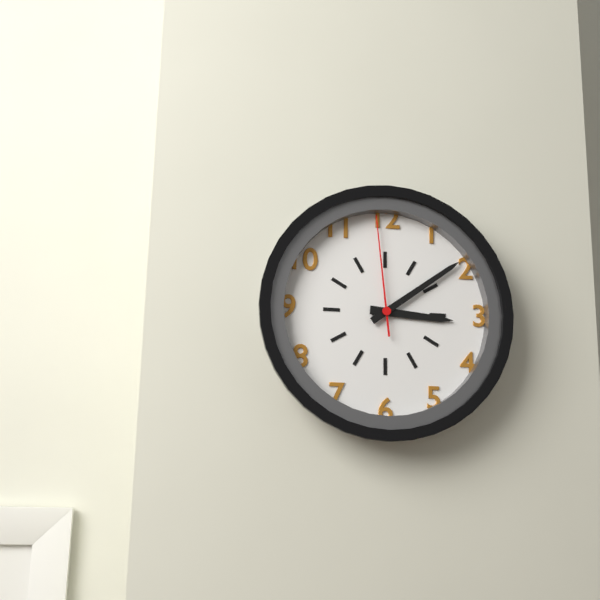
**3:09:59**
